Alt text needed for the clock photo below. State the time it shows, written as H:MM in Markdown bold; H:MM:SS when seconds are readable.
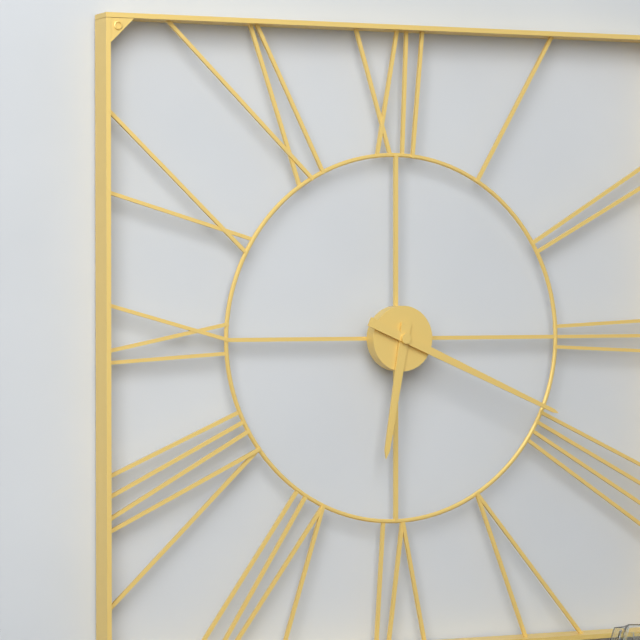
**6:19**
